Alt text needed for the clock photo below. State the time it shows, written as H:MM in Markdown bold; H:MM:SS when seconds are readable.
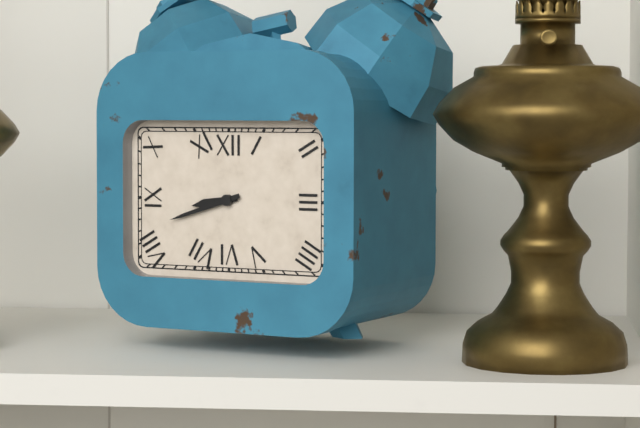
**8:42**
